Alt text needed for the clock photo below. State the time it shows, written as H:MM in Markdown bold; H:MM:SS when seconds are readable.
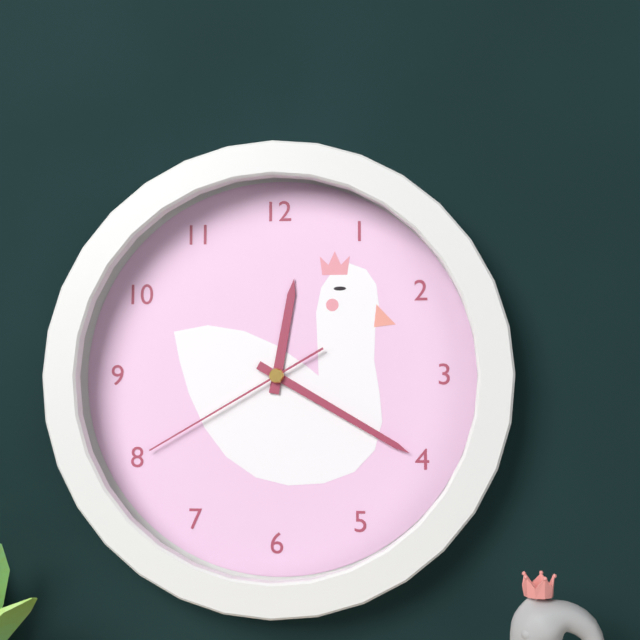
**12:20:40**
